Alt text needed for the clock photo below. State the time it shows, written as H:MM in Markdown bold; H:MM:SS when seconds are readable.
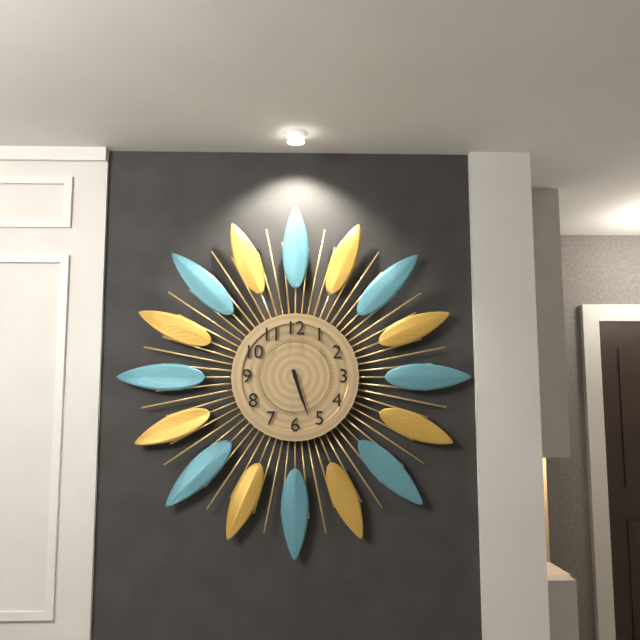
**5:27**
